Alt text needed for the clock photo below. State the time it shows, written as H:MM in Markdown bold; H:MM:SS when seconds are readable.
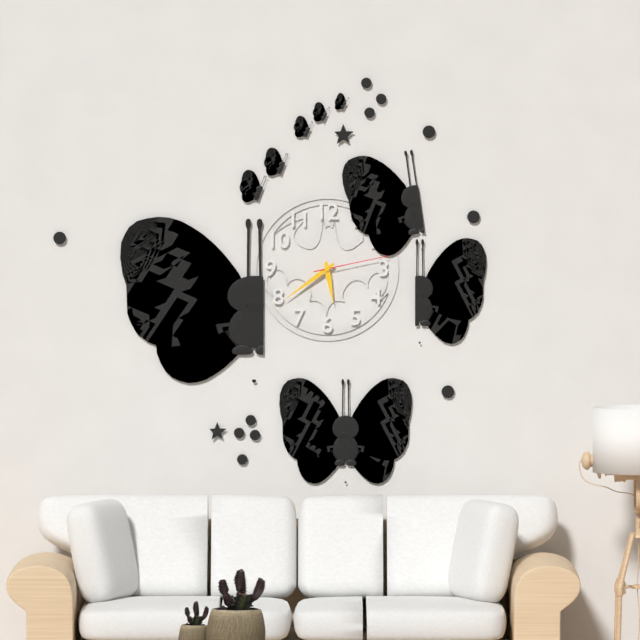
**5:39:13**
